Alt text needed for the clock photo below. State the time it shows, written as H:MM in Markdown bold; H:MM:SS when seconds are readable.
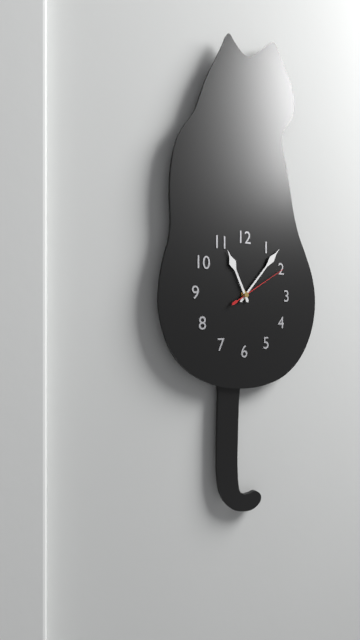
**11:07:10**
